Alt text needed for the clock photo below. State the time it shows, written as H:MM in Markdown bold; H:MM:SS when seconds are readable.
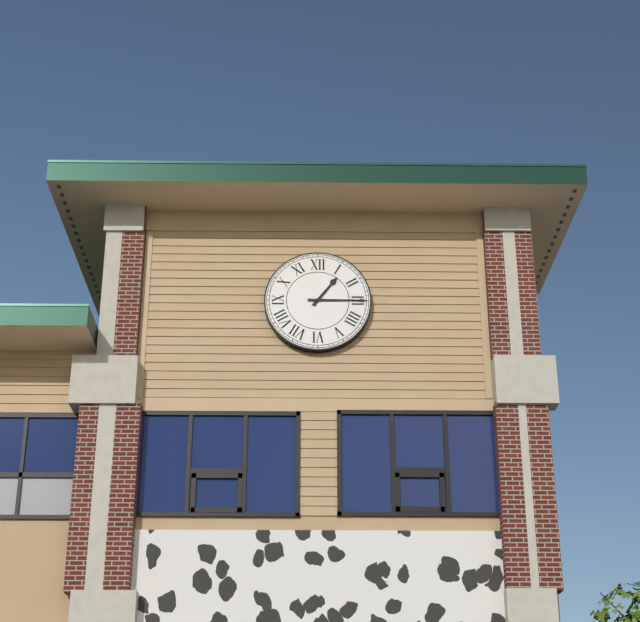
**1:15**
